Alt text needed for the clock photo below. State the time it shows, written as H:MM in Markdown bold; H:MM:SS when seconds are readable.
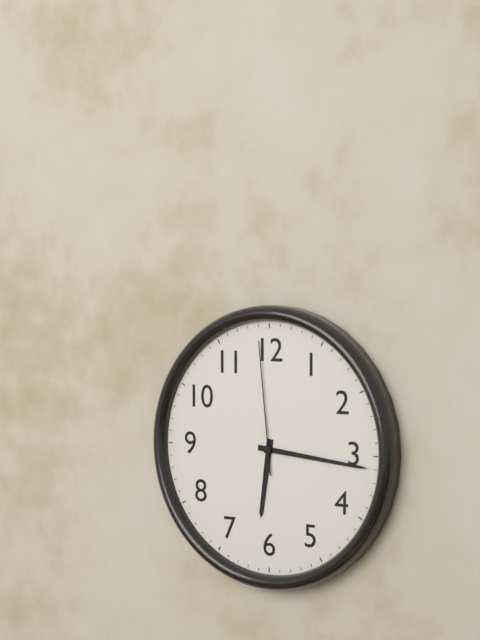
**6:16:59**
